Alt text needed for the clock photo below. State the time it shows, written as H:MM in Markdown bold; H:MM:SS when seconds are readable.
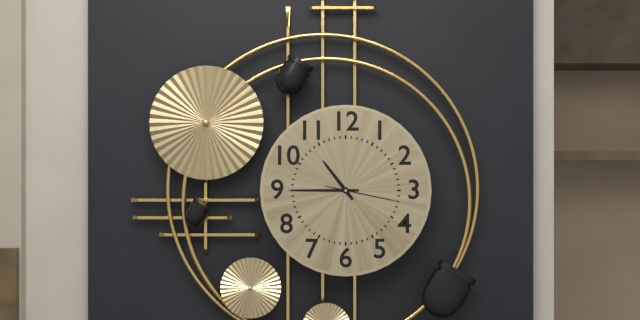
**10:45:17**
